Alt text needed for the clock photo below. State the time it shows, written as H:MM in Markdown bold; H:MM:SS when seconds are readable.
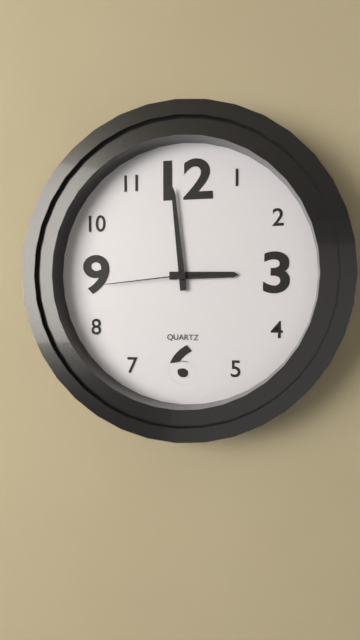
**2:59:44**
